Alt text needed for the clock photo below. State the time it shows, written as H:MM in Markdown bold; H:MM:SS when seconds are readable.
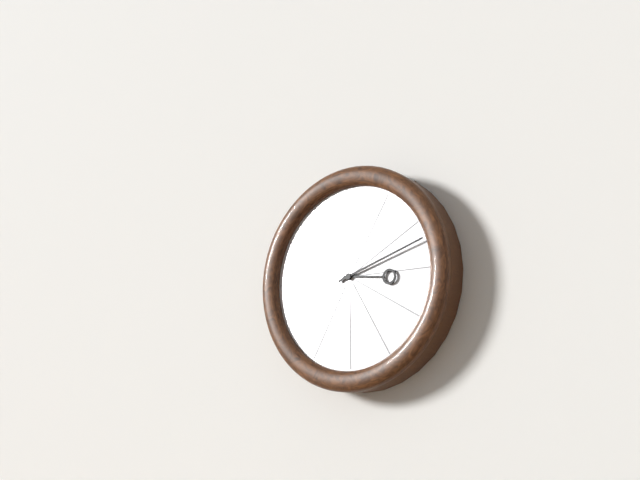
**3:12**
